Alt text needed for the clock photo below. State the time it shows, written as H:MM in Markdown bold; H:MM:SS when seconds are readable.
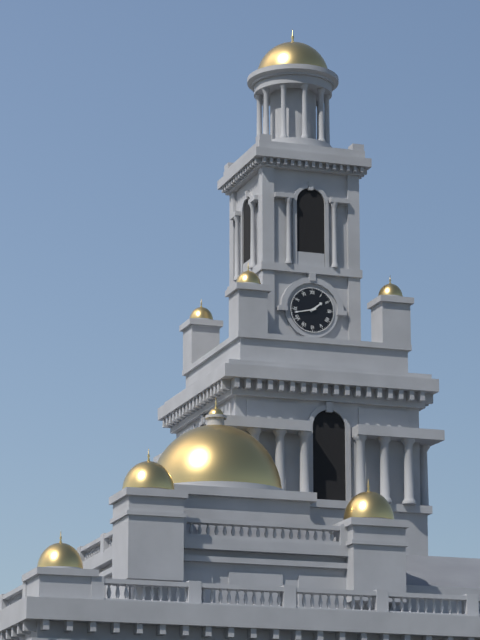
**1:43**
